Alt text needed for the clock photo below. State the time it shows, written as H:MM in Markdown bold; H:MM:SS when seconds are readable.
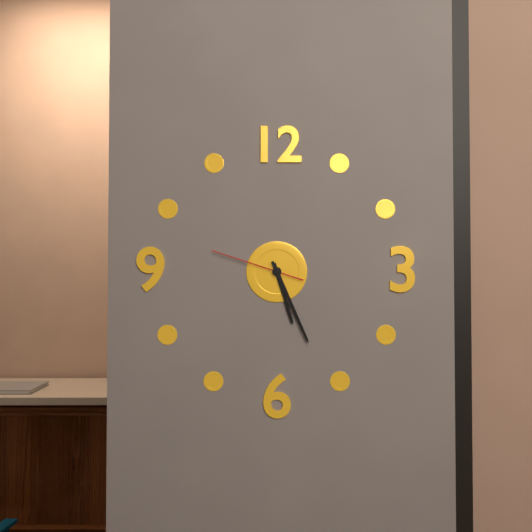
**5:26:48**
